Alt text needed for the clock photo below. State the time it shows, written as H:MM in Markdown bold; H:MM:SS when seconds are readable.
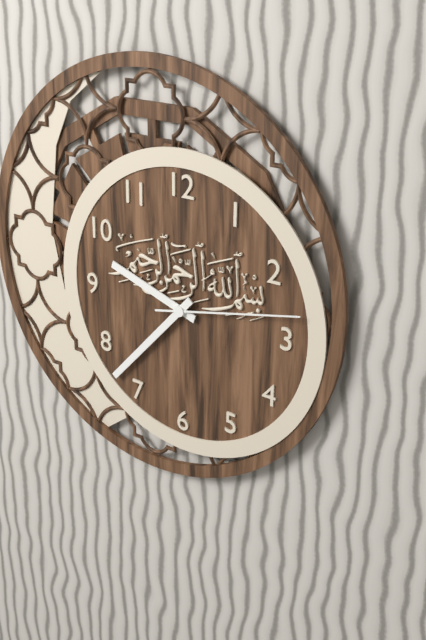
**9:37:13**
